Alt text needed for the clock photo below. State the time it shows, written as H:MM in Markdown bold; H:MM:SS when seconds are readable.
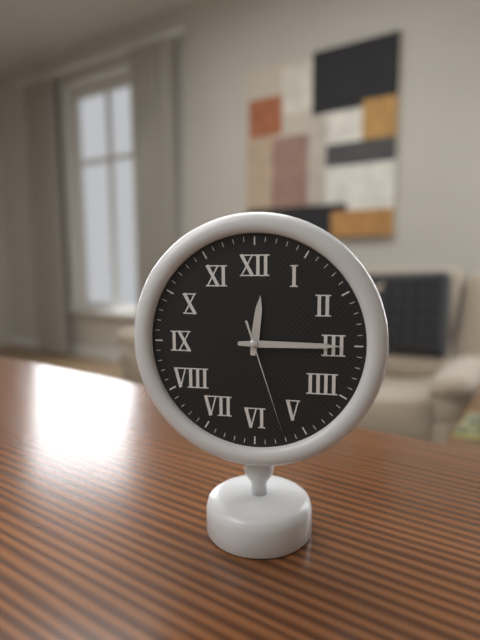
**12:15:27**
